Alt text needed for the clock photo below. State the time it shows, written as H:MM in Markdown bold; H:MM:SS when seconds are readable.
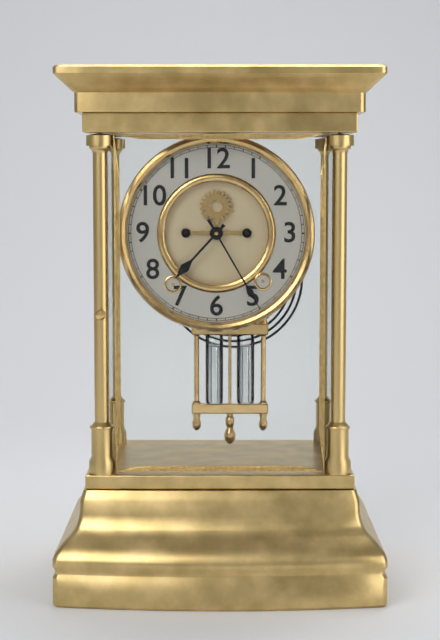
**7:25**
